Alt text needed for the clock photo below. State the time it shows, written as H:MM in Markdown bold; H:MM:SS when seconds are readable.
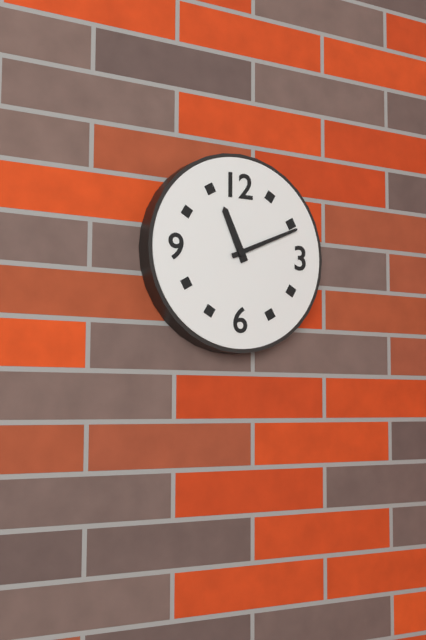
**11:11**
